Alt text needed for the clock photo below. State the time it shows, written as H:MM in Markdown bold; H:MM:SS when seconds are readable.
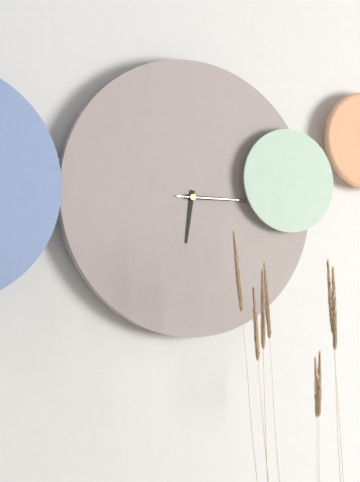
**6:15:15**
